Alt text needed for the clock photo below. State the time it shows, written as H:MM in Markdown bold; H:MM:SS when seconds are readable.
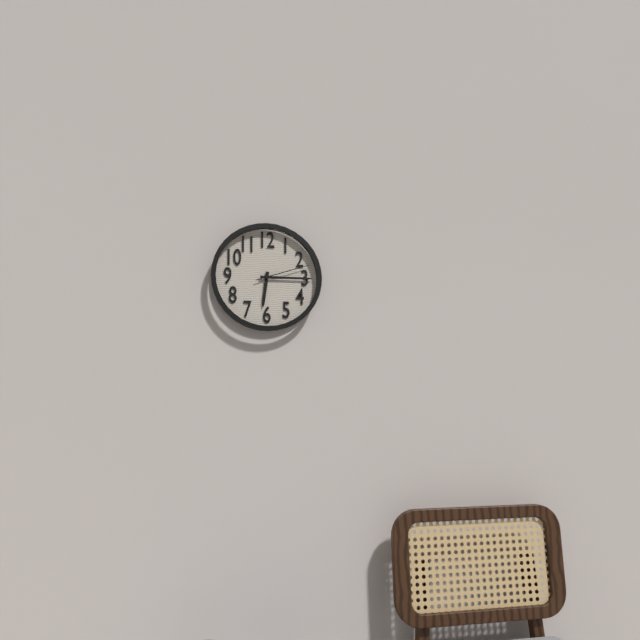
**6:15:12**
